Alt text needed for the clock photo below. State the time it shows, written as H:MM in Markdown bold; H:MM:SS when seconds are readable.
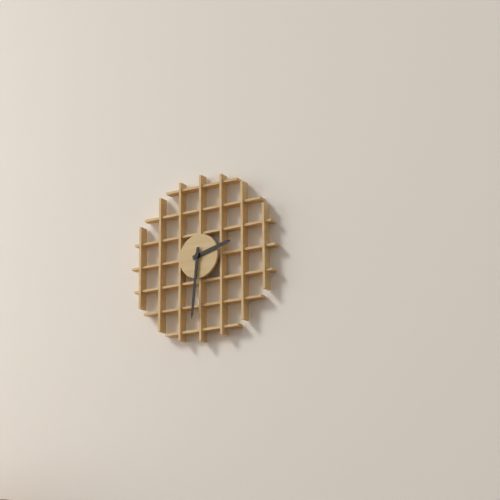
**2:31**
